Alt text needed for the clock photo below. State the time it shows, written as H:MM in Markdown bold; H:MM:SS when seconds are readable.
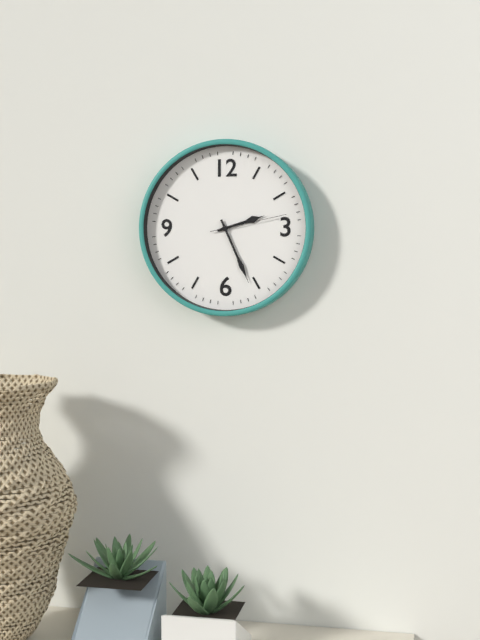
**2:26:13**
